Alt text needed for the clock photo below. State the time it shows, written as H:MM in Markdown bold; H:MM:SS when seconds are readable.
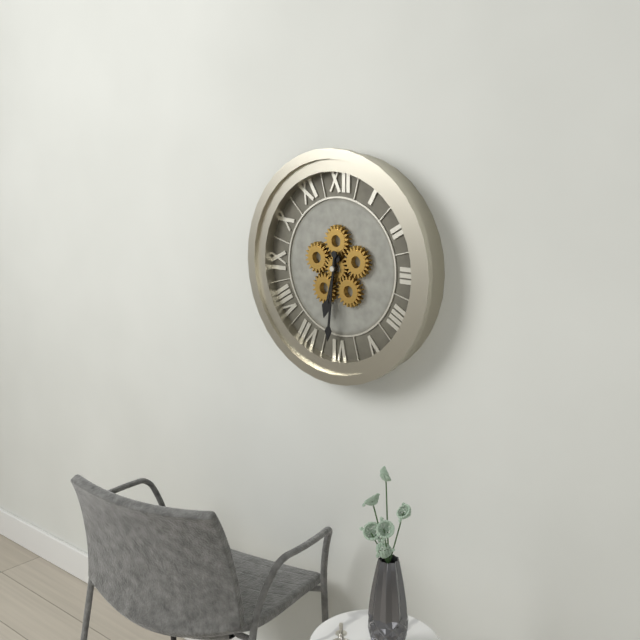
**6:31**
